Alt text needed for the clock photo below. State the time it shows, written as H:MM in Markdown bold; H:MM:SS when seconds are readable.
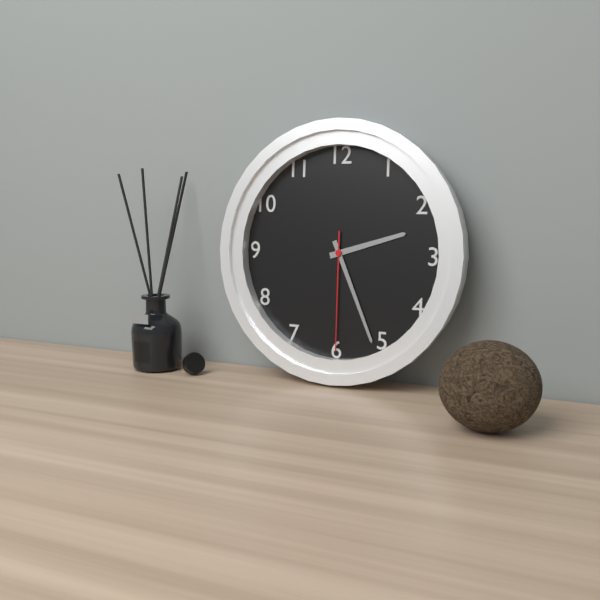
**2:26:30**
